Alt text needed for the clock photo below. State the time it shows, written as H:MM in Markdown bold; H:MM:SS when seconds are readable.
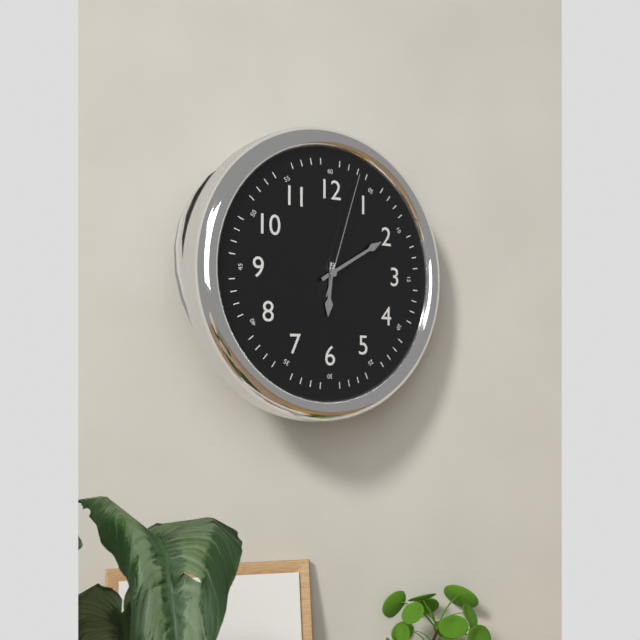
**6:10:03**
